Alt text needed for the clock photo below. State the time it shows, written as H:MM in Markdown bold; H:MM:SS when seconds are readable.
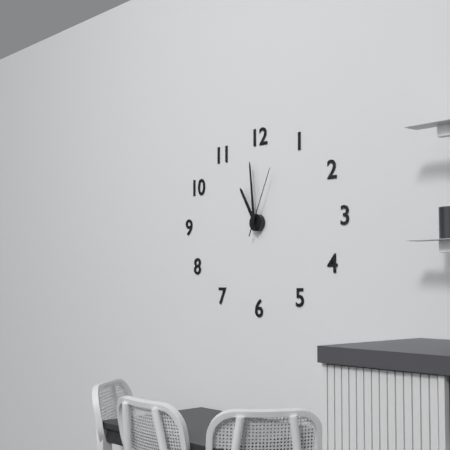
**10:59:04**
